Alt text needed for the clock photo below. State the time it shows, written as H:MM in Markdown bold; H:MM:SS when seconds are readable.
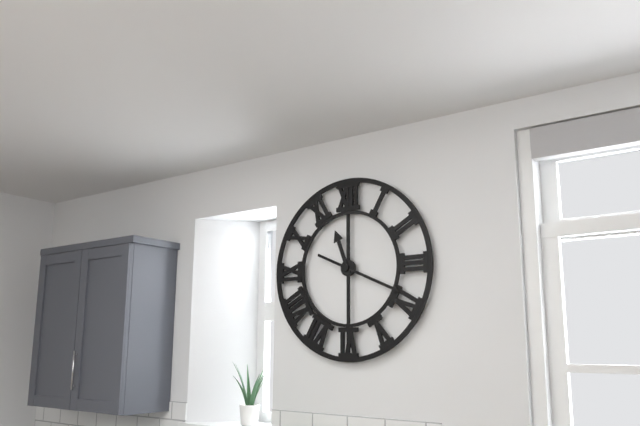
**11:19**
